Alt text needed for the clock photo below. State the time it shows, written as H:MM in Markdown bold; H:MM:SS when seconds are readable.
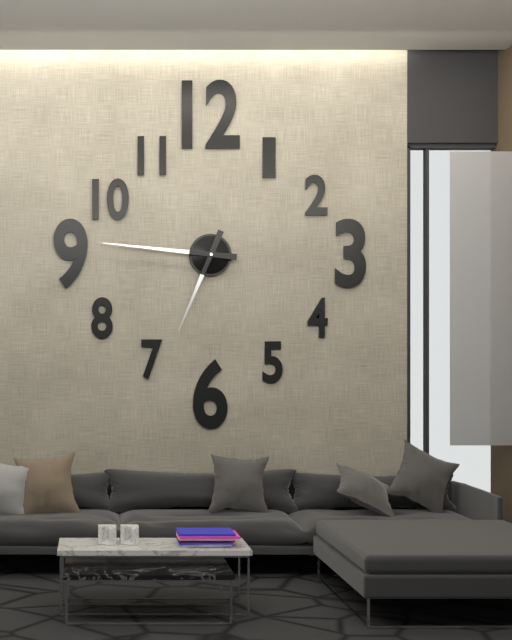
**6:46**
